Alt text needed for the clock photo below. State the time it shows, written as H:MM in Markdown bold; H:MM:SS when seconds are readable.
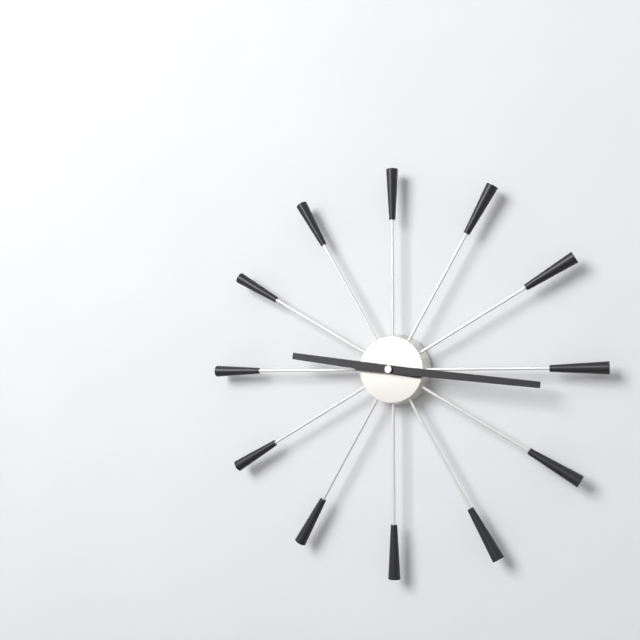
**9:16**
